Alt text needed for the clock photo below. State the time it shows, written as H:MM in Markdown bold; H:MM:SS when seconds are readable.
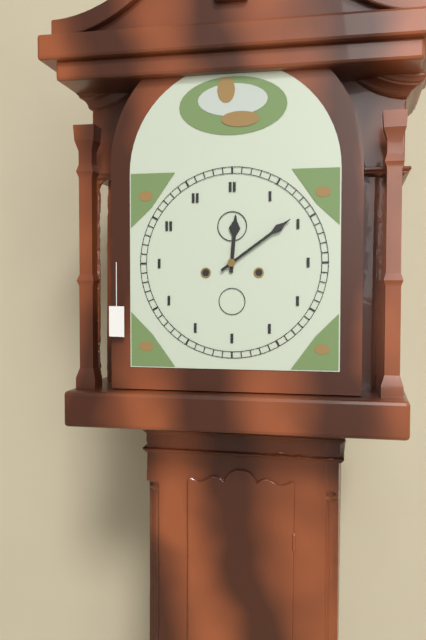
**12:09**
